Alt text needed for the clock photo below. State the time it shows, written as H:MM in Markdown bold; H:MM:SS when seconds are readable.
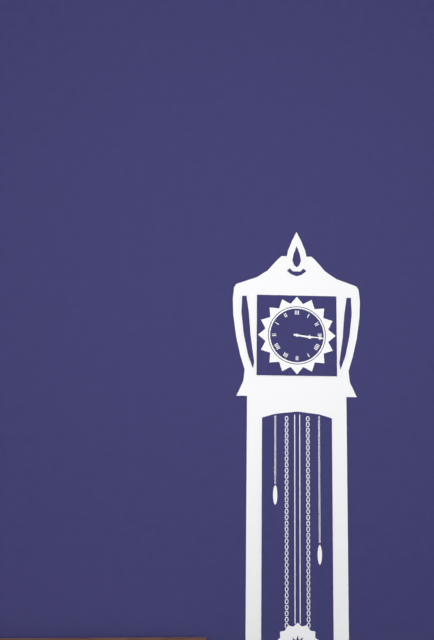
**3:16**
